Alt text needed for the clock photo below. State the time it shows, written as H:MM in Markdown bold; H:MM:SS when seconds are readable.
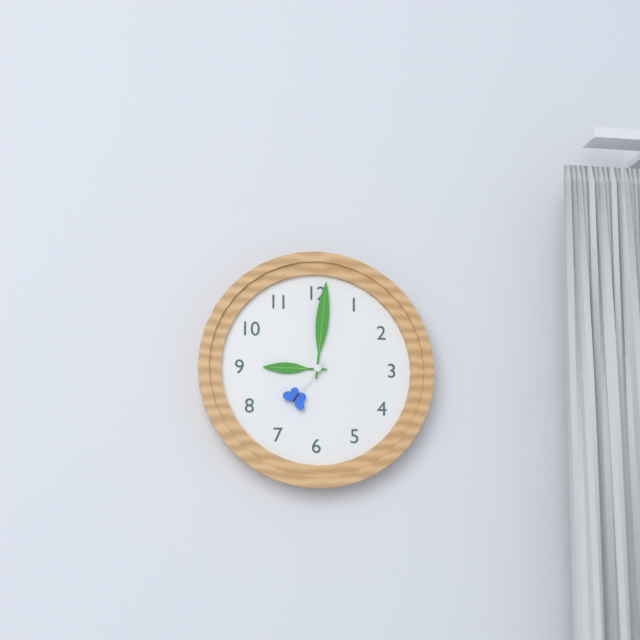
**9:01:36**
